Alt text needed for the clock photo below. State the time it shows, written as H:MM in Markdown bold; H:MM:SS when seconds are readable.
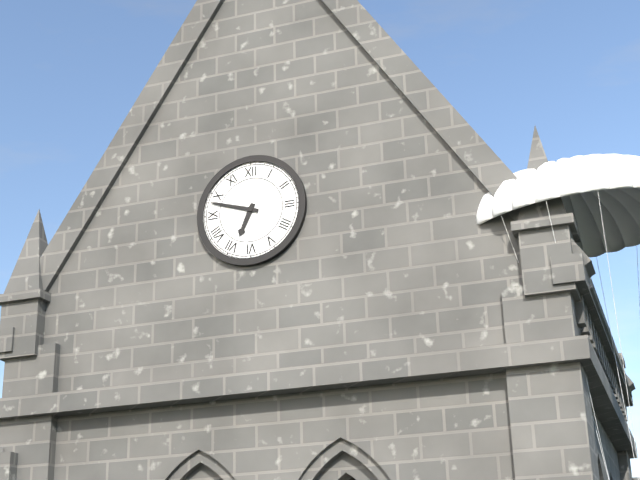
**6:48**
